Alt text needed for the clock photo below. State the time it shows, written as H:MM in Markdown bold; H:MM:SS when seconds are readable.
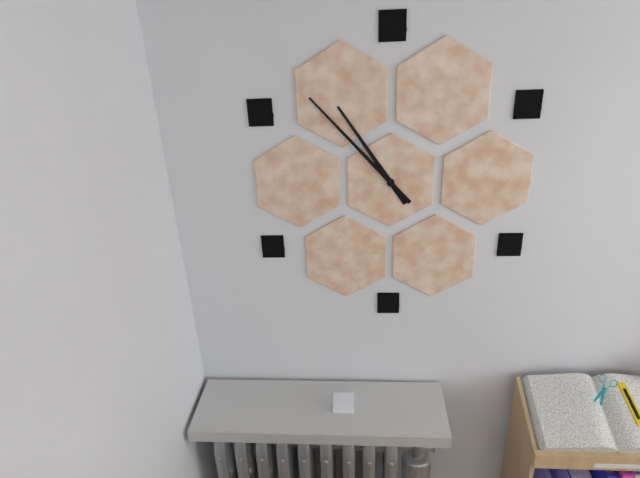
**10:53**
